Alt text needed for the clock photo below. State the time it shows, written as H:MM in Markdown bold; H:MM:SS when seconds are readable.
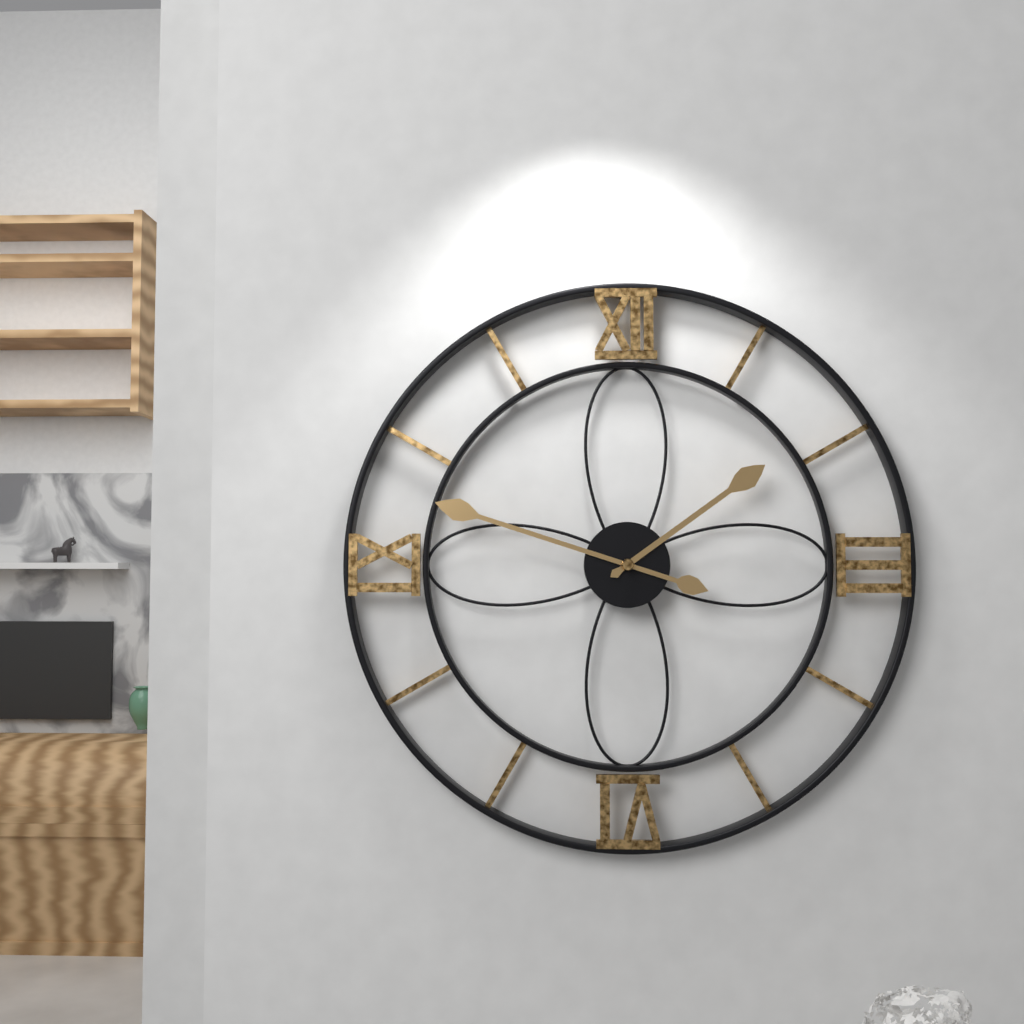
**1:48**
